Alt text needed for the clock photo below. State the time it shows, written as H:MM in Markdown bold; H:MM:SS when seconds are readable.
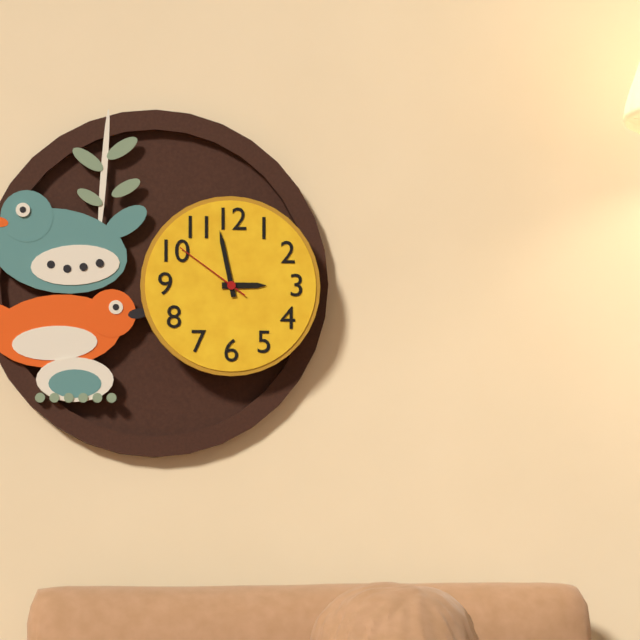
**2:58:51**
